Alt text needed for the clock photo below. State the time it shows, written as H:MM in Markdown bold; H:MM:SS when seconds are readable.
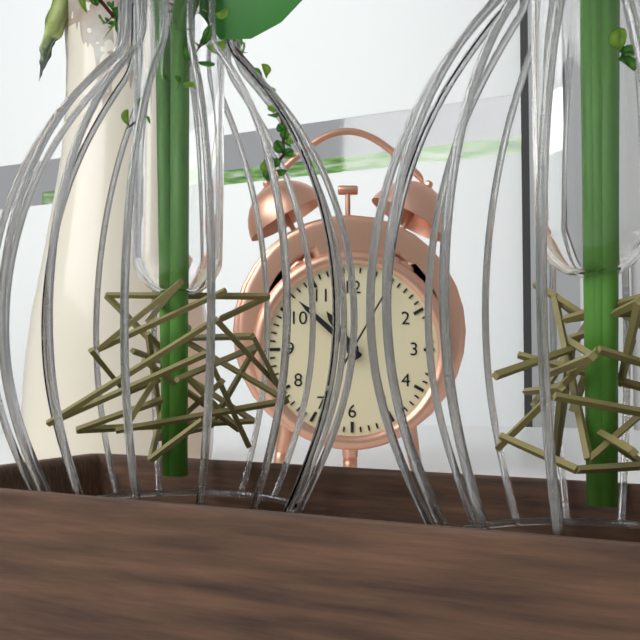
**10:52:05**
